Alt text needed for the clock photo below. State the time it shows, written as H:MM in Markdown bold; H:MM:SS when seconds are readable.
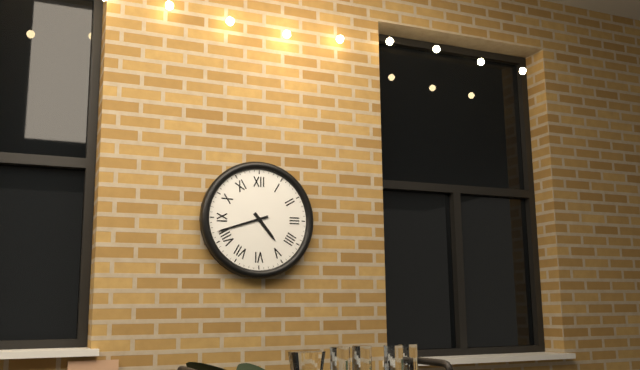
**4:42**
